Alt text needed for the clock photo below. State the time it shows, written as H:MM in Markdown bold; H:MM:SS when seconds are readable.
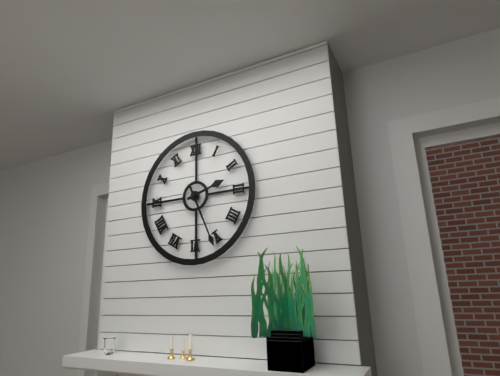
**2:26**
